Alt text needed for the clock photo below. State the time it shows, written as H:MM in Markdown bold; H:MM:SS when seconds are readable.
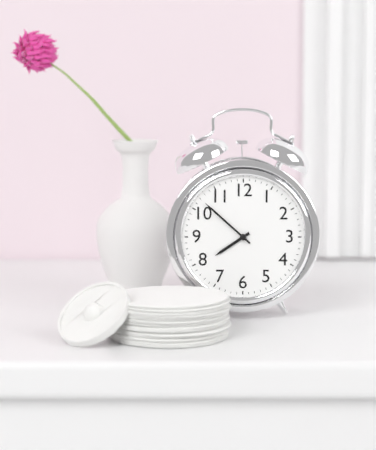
**7:52**
